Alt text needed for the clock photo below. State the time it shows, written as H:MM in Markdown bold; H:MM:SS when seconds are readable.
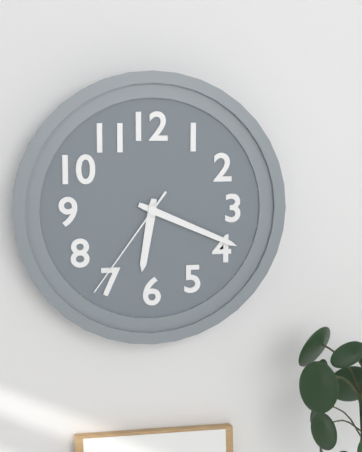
**6:19:36**
